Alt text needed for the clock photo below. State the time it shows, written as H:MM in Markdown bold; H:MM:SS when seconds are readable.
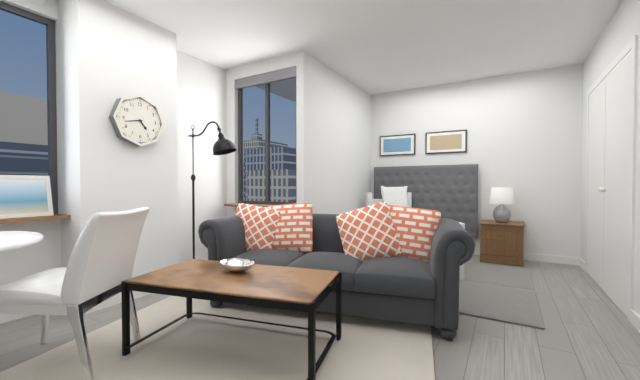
**4:43**
